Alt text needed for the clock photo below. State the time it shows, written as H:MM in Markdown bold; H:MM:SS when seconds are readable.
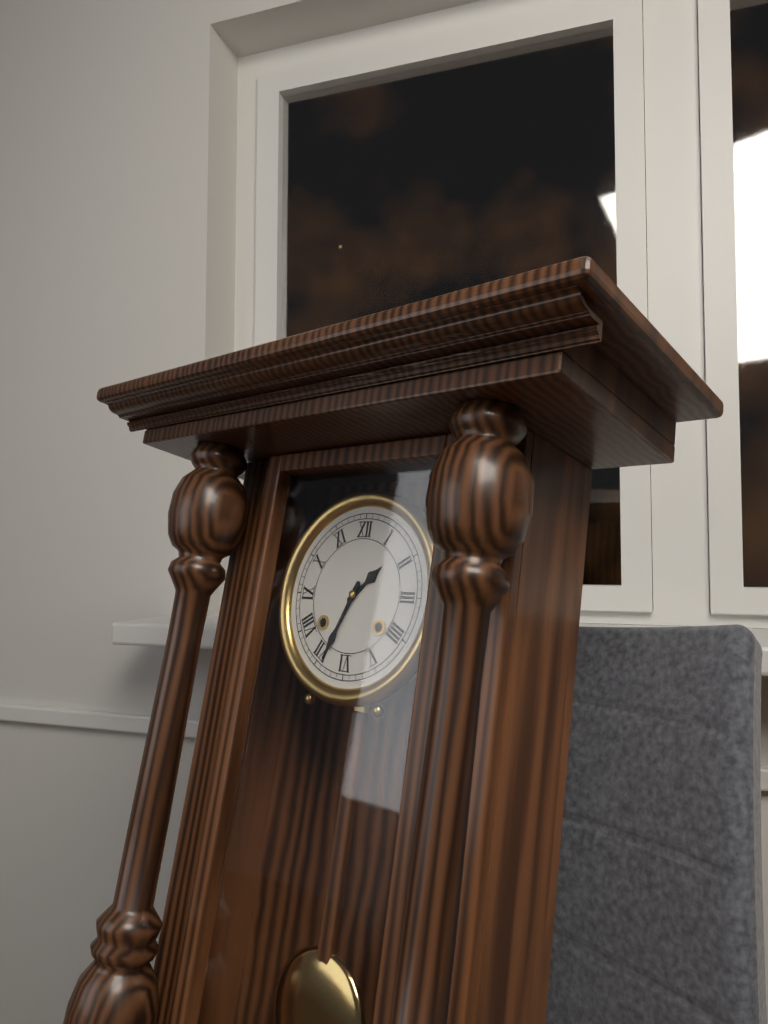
**1:34**
